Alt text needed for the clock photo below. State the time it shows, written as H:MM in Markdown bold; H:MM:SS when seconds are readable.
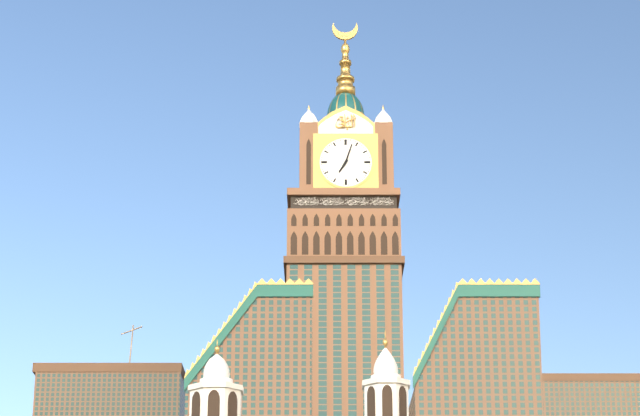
**7:03**
